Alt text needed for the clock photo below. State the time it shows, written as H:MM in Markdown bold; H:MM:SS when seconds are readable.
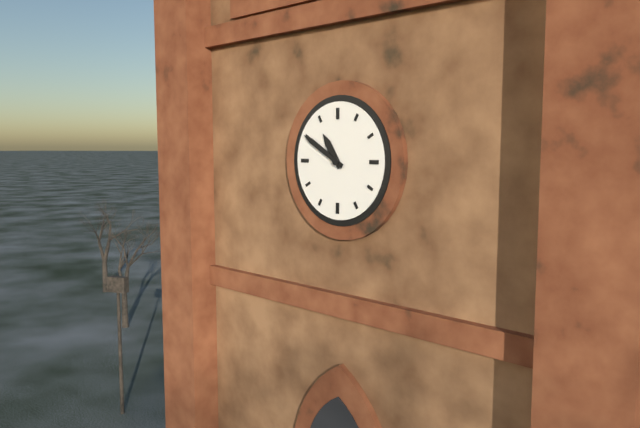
**10:50**
